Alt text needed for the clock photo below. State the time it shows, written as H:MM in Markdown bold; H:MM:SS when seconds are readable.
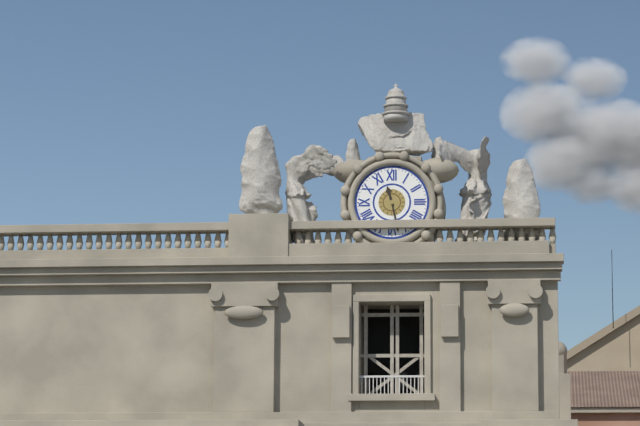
**11:28**
